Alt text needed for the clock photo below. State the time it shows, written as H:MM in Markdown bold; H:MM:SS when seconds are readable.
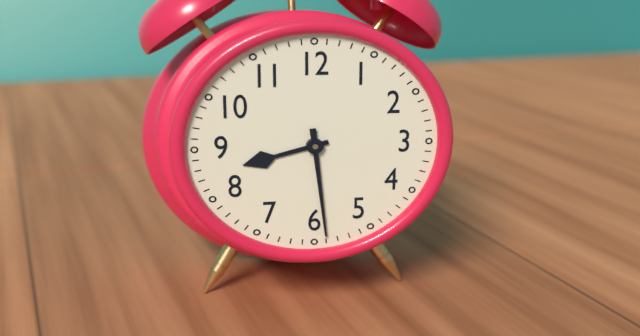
**8:29**
